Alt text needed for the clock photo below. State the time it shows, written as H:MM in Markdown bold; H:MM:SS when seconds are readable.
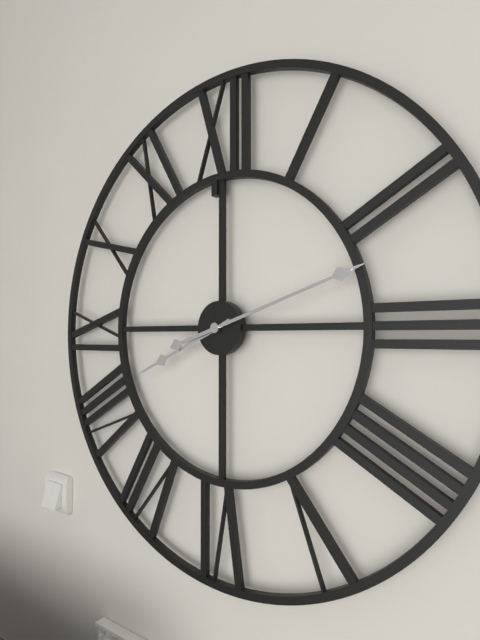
**8:12**
